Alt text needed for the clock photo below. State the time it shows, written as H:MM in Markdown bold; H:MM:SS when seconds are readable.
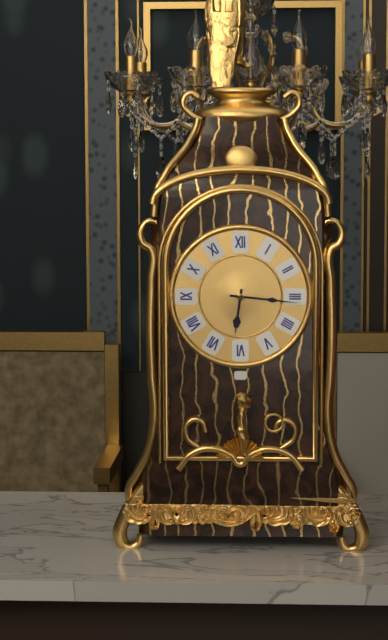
**6:16**
